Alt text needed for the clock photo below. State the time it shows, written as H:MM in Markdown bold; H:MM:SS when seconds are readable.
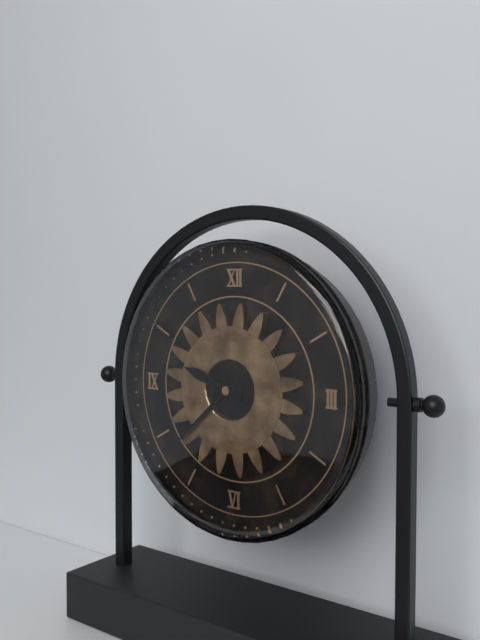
**9:38**
